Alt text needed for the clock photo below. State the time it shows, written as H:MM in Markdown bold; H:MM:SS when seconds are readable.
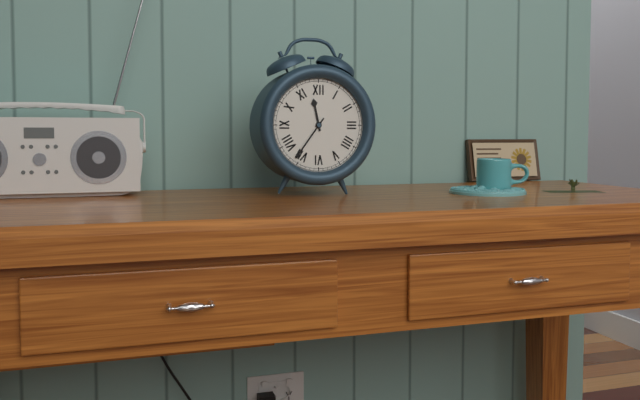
**11:36**
